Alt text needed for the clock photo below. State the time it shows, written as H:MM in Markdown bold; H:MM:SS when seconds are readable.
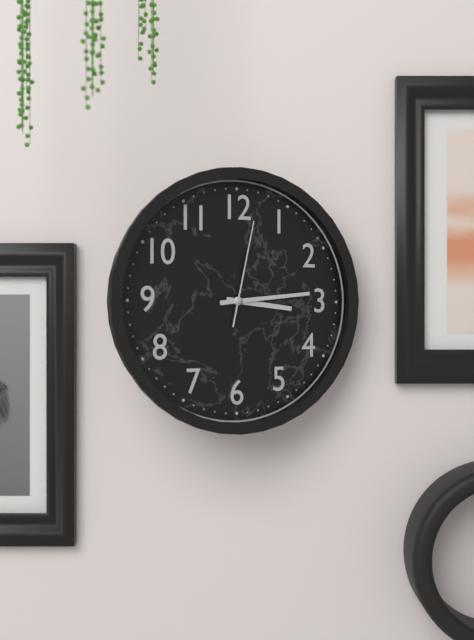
**3:14:02**
